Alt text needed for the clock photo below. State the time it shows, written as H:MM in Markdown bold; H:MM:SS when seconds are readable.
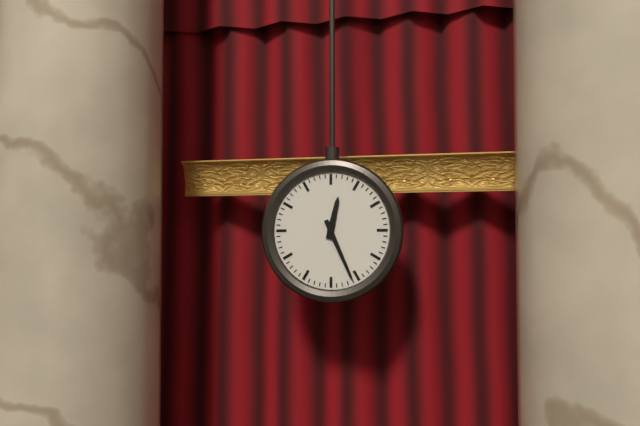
**12:26**
